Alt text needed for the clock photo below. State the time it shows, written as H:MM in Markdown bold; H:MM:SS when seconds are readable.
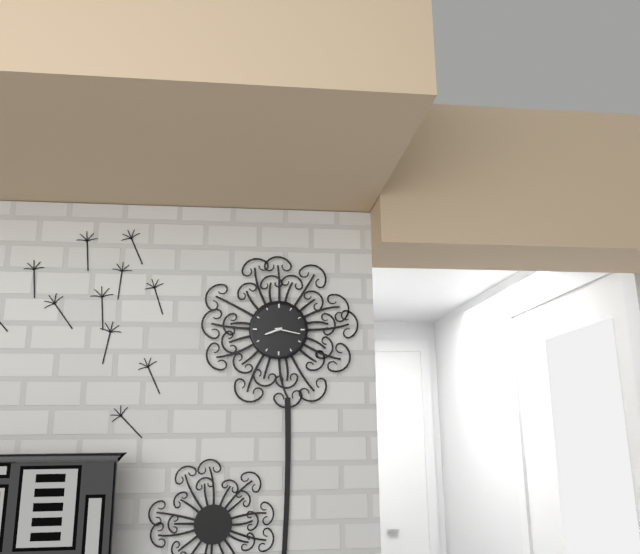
**8:17**
